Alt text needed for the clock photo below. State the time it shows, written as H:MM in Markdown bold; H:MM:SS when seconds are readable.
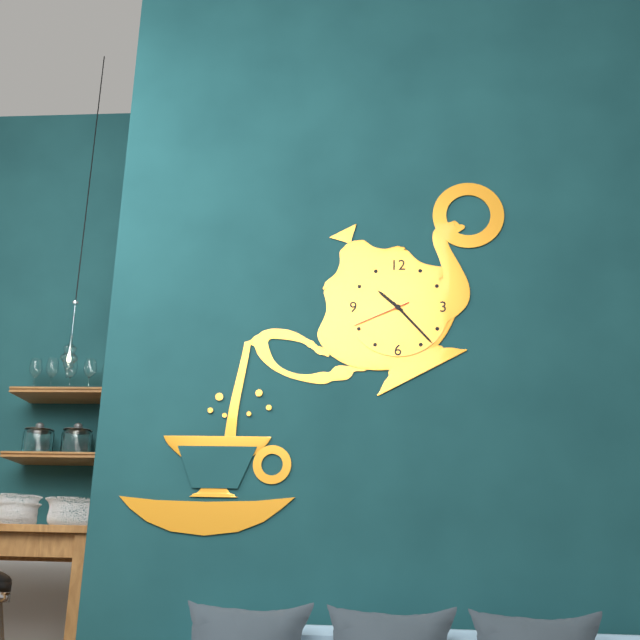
**10:23:41**
